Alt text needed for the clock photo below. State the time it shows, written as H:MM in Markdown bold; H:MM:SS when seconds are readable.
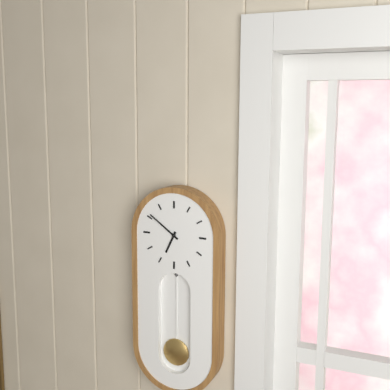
**6:51**
